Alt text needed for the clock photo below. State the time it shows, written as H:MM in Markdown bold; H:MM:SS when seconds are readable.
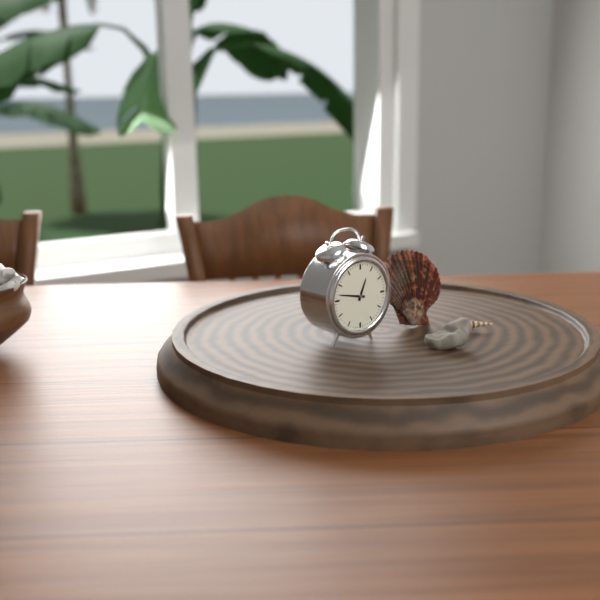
**12:47**
